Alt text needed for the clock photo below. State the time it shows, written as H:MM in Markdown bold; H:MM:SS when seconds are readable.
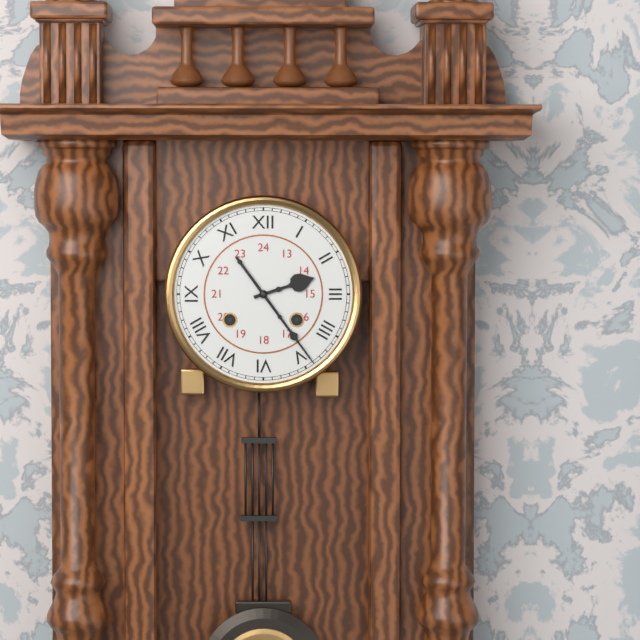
**2:24**
